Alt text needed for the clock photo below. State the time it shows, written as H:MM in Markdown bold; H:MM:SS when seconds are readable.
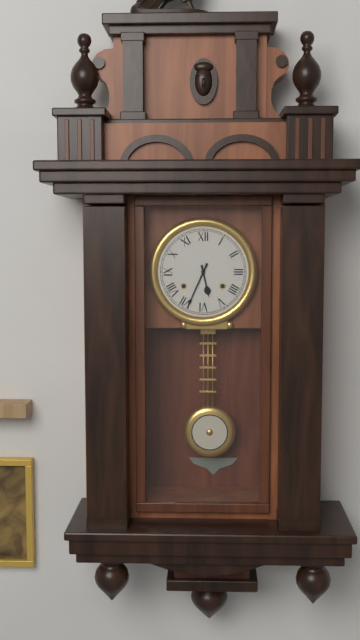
**5:34**
